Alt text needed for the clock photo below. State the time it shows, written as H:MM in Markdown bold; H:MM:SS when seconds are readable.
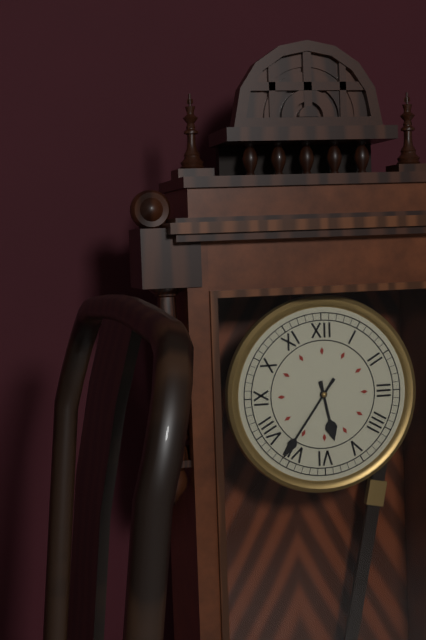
**5:36**
